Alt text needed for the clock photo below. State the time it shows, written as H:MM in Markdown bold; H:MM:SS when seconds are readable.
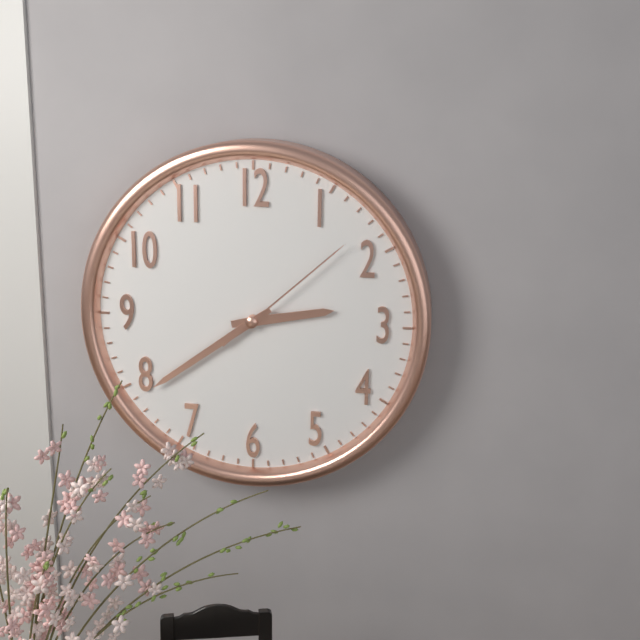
**2:39:08**
